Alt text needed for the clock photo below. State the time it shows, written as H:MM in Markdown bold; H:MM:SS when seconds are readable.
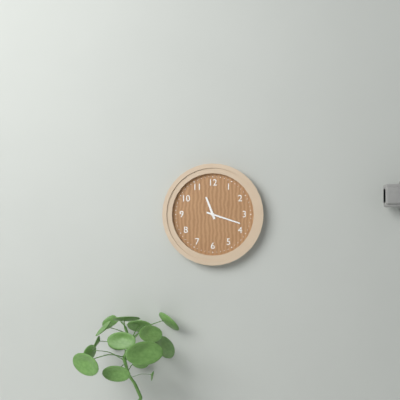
**11:18**
